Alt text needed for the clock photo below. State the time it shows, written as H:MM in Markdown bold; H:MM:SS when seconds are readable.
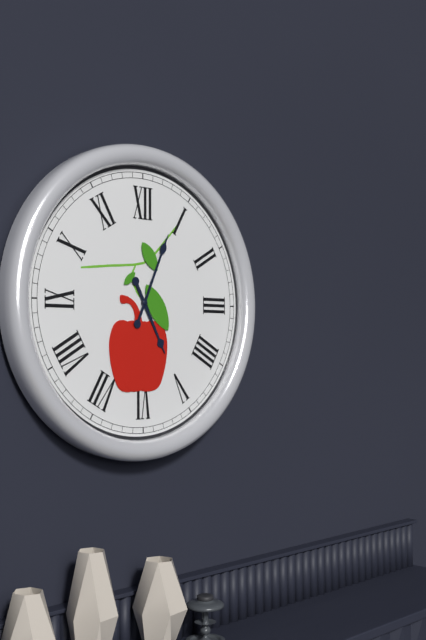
**5:04**
